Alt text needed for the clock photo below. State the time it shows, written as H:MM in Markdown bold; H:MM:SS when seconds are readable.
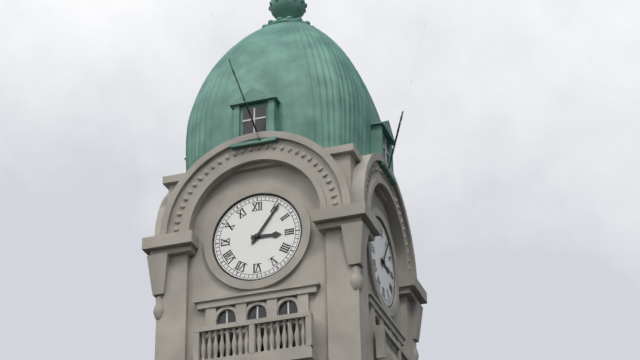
**3:06**
